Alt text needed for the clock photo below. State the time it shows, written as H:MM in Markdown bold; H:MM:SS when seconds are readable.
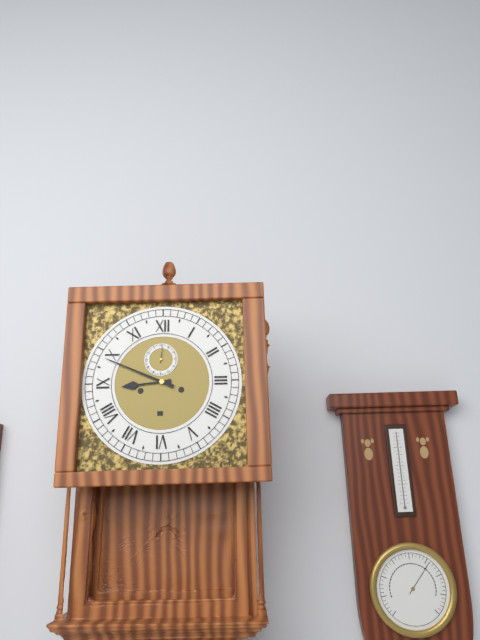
**8:49**
